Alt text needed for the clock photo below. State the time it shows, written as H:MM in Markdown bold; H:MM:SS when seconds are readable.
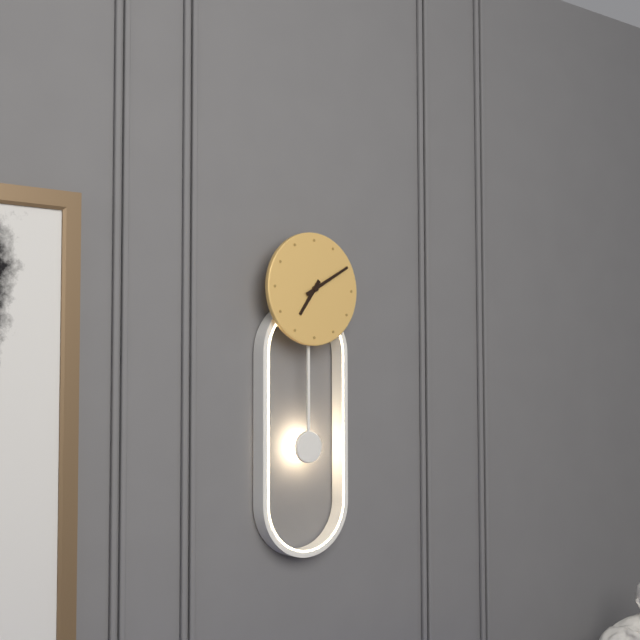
**7:10**
